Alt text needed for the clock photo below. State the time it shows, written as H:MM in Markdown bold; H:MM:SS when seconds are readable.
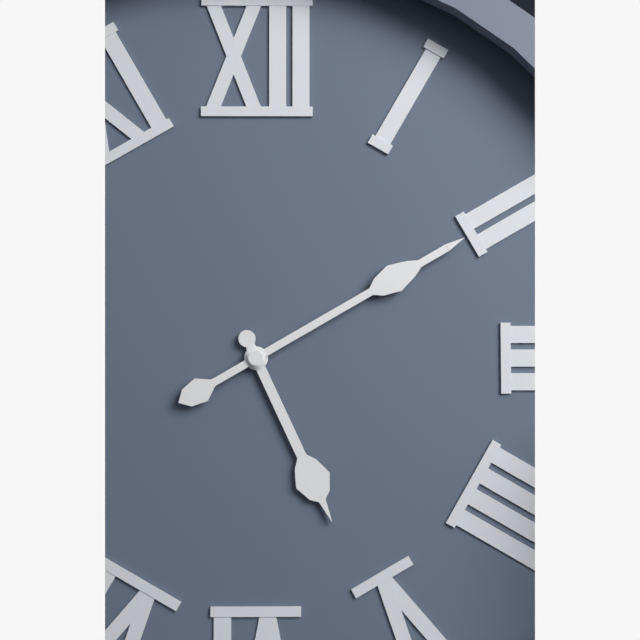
**5:10**
